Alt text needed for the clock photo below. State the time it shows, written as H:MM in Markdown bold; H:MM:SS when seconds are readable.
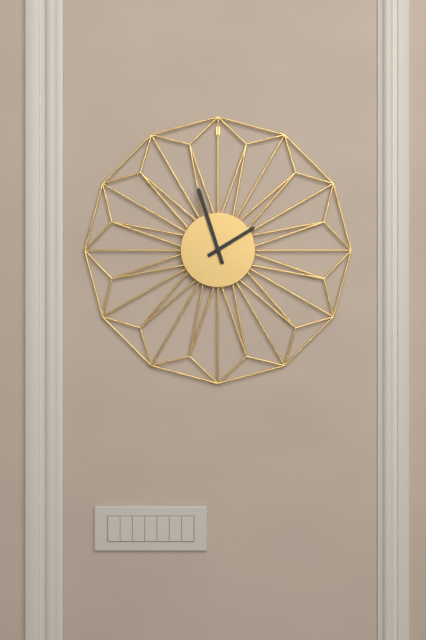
**1:57**
